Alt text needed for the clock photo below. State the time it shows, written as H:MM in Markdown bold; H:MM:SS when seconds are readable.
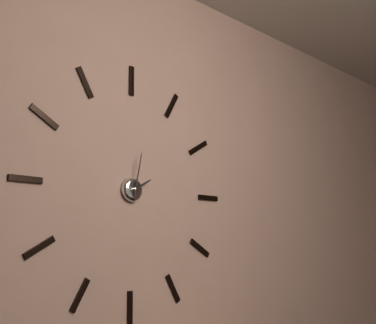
**2:02**
